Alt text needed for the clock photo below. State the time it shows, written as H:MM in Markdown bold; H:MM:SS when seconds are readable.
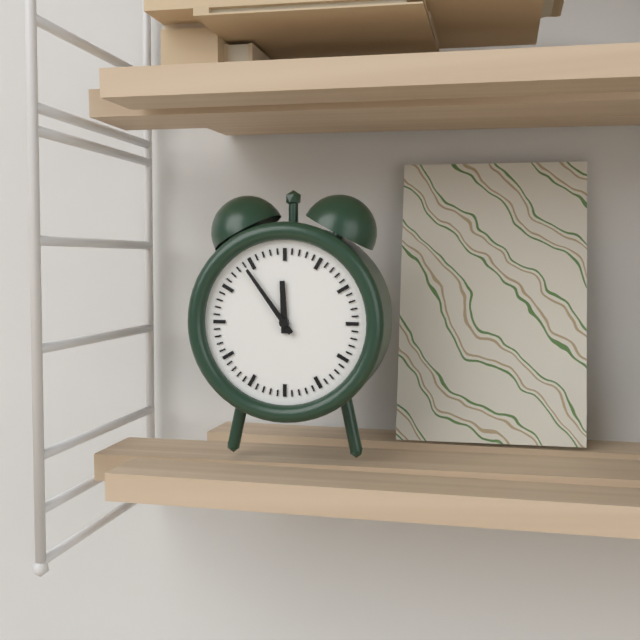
**11:54**
